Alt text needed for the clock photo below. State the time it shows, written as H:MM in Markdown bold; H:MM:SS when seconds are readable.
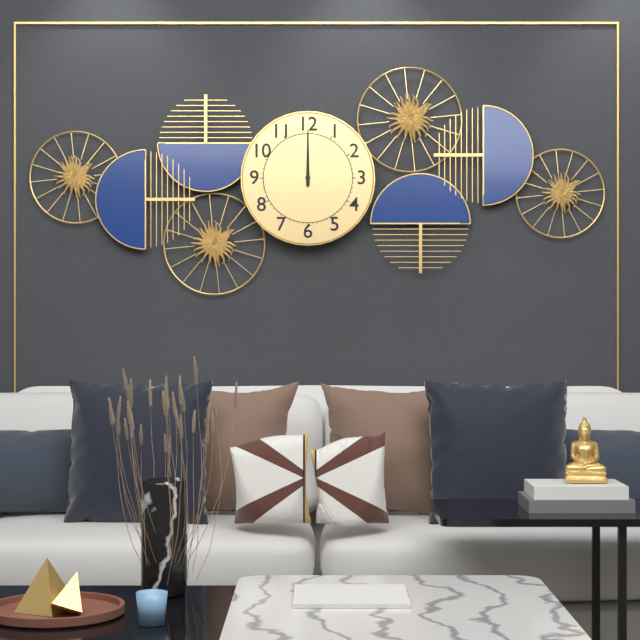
**12:00**
